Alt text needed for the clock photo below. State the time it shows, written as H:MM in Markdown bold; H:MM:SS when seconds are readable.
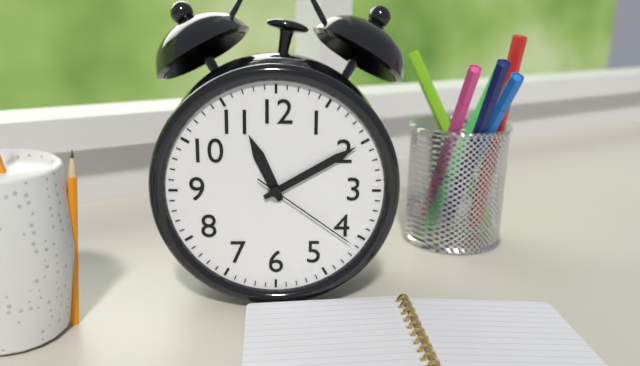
**11:10:21**
